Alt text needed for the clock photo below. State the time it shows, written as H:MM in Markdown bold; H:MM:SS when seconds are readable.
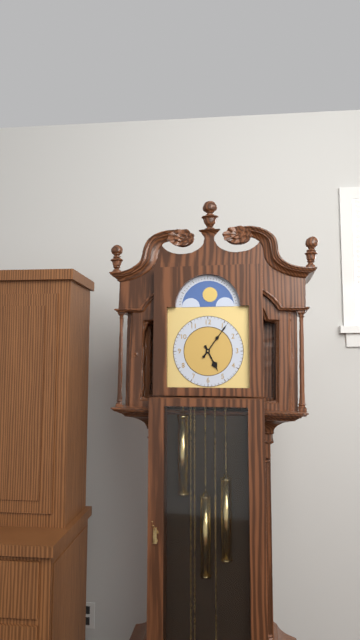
**5:06**
